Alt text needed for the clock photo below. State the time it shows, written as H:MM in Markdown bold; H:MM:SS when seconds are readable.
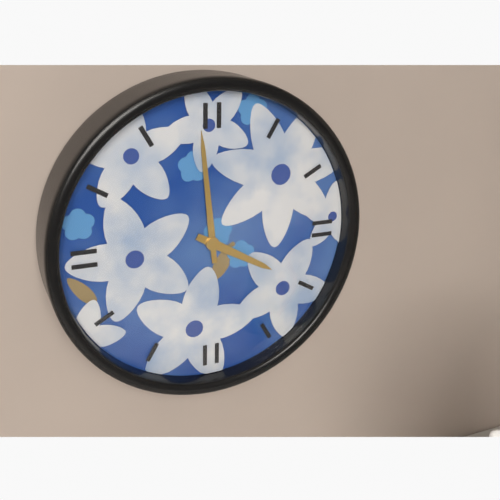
**3:59**
